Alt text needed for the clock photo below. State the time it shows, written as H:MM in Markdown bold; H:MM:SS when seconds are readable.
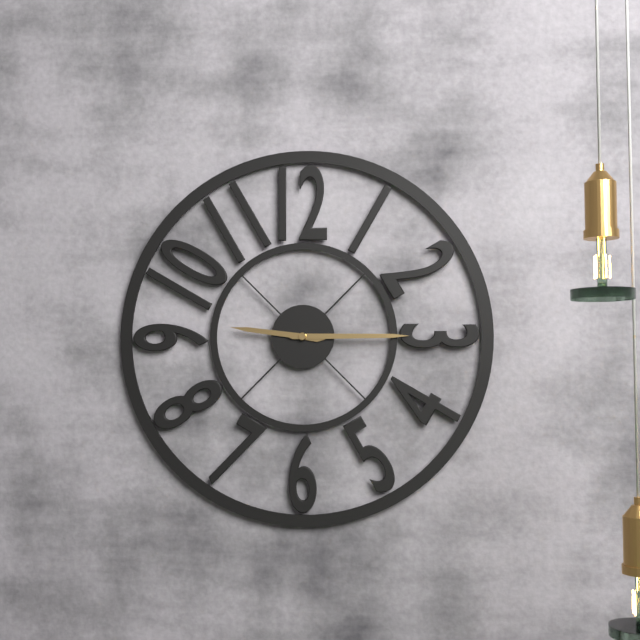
**9:15**
